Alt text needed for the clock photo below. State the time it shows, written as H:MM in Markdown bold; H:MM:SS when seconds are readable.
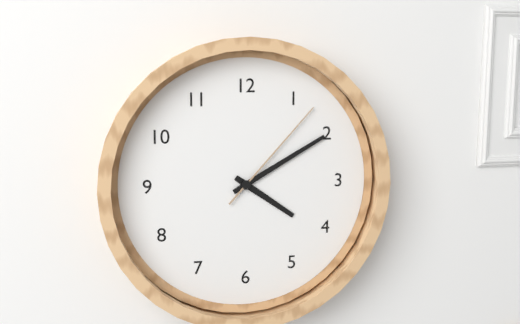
**4:10:07**
